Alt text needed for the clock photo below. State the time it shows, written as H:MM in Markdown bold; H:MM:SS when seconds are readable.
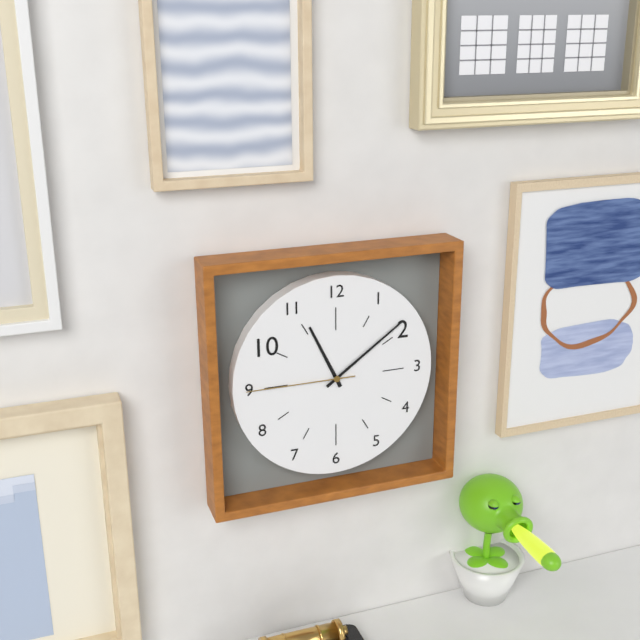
**11:09:45**
